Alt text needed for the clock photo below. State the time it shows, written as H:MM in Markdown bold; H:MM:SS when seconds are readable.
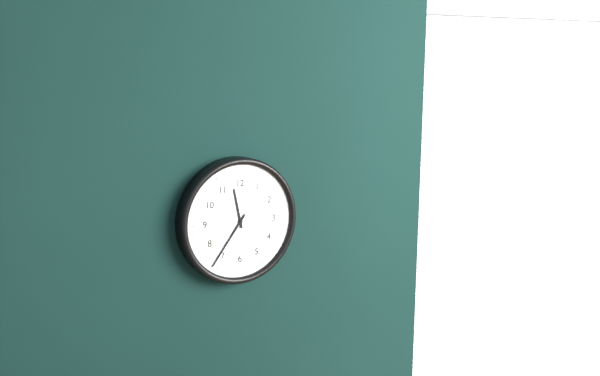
**11:36**
